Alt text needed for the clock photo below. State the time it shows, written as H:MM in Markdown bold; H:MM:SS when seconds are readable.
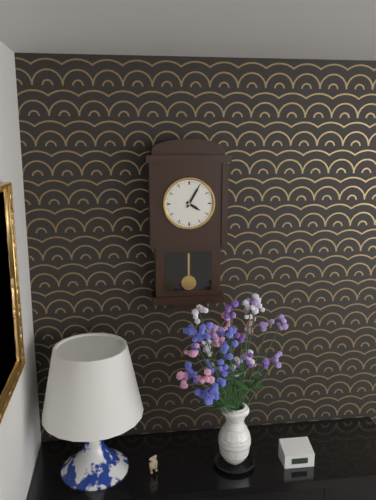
**4:05**
